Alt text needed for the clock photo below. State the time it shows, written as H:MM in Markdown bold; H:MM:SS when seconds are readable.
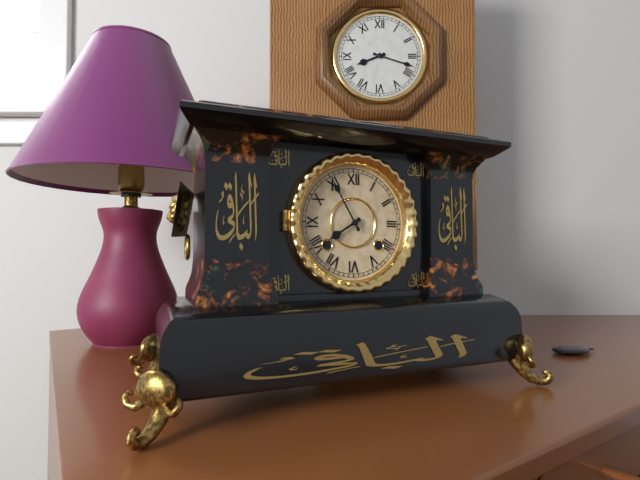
**7:55**
